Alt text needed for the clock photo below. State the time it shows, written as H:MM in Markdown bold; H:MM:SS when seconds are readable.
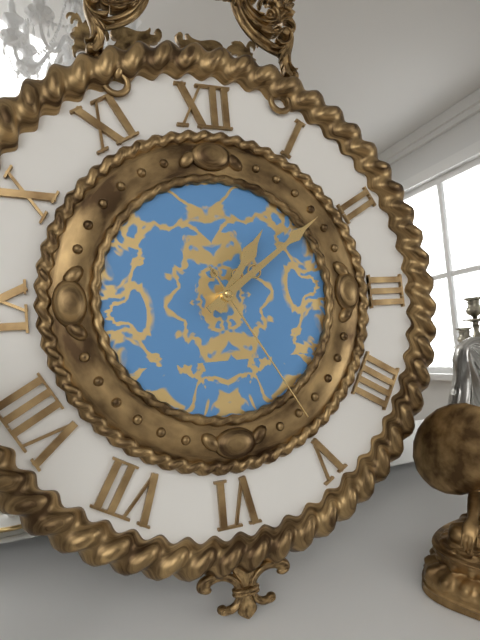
**1:09:25**
